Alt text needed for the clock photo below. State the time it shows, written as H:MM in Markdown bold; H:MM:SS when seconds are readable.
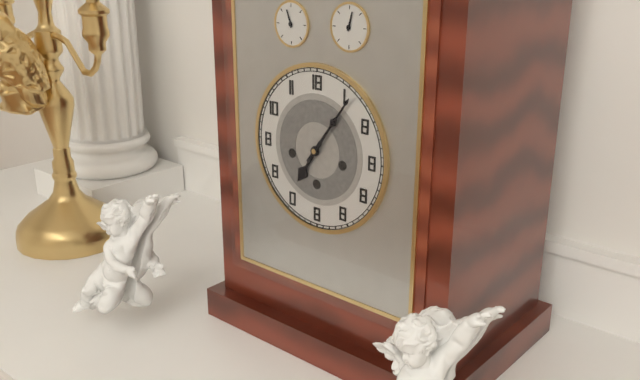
**7:06**
